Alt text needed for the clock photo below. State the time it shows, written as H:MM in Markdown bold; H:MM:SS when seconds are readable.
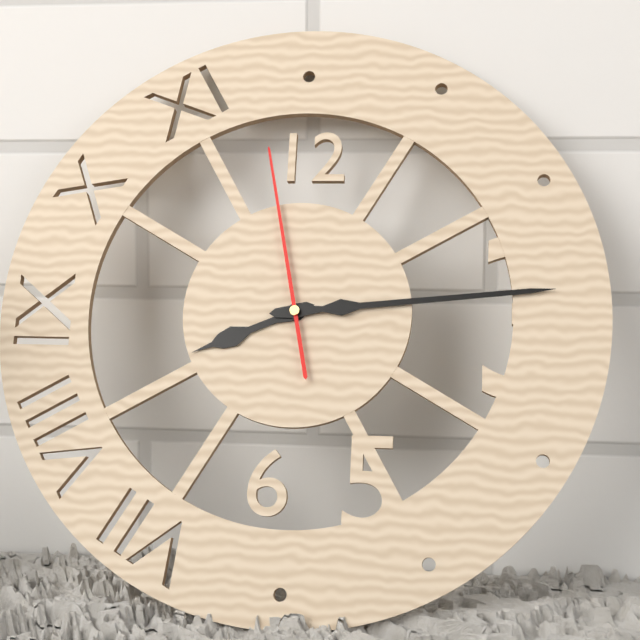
**8:14:58**
